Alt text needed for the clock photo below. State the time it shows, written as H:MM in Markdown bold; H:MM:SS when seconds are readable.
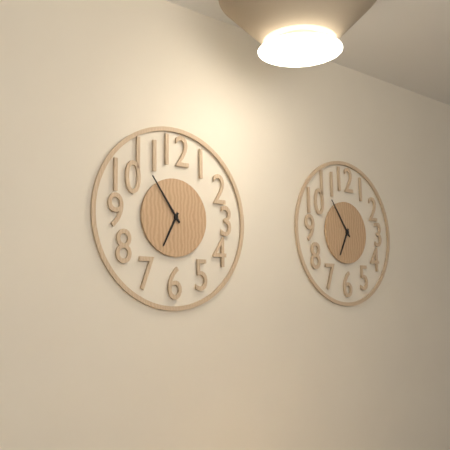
**6:54**
